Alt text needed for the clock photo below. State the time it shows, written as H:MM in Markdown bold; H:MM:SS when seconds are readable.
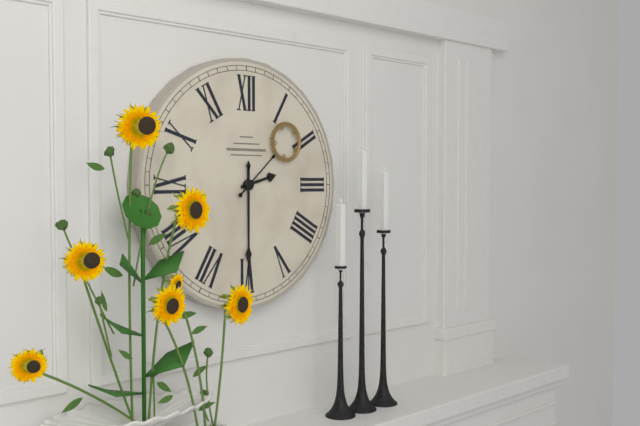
**2:30:08**
